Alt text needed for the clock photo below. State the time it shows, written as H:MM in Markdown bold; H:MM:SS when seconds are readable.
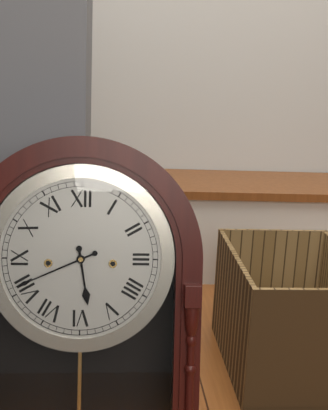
**5:41**
